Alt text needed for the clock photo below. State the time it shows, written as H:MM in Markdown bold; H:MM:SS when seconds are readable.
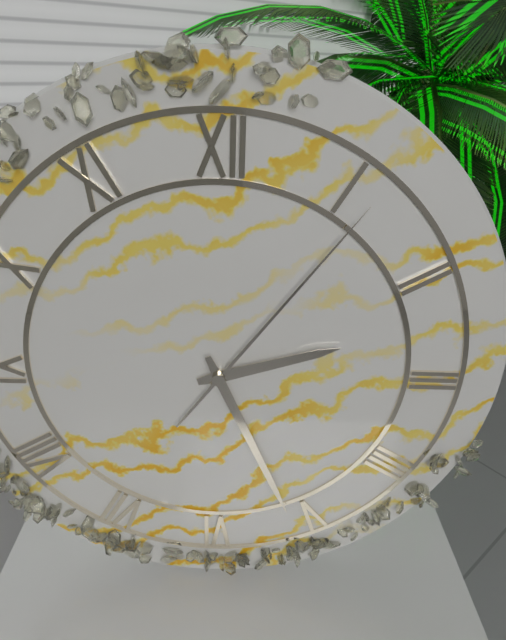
**2:26:06**
